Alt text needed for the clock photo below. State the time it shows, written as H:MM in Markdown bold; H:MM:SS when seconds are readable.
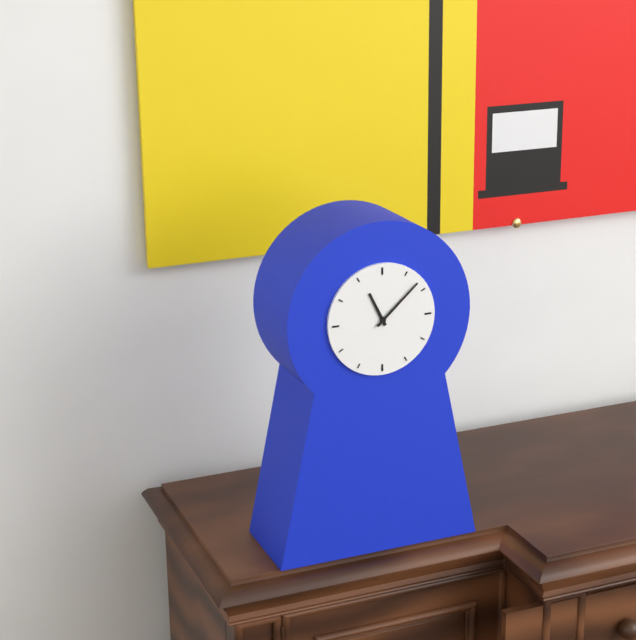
**11:08**
